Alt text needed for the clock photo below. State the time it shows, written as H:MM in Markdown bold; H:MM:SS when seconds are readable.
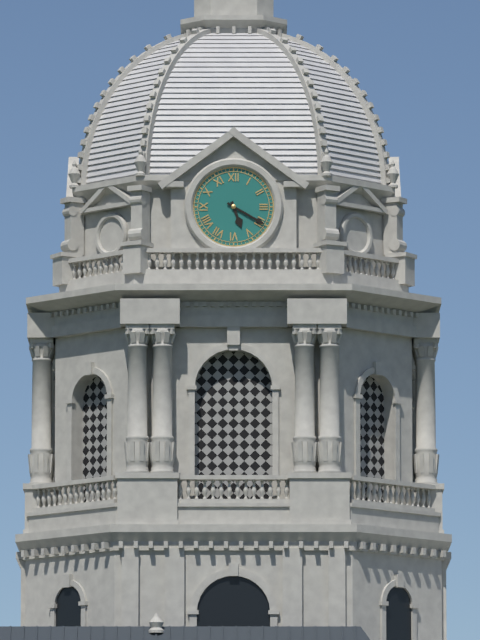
**5:20**
